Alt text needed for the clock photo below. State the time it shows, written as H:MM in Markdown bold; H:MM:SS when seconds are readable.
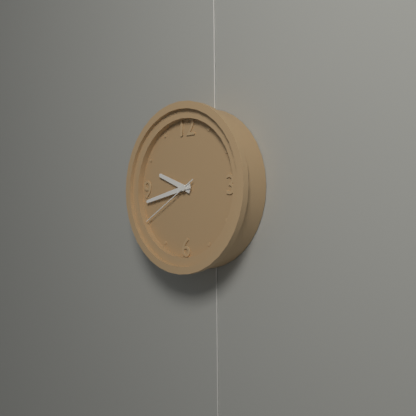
**9:43:40**
